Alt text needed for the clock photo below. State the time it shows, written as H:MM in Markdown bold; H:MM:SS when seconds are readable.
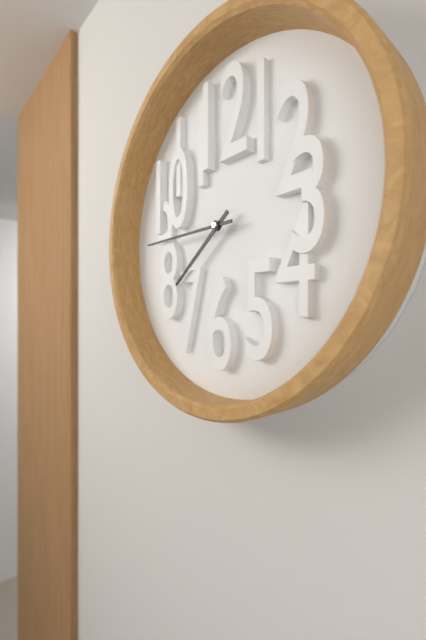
**7:45**
